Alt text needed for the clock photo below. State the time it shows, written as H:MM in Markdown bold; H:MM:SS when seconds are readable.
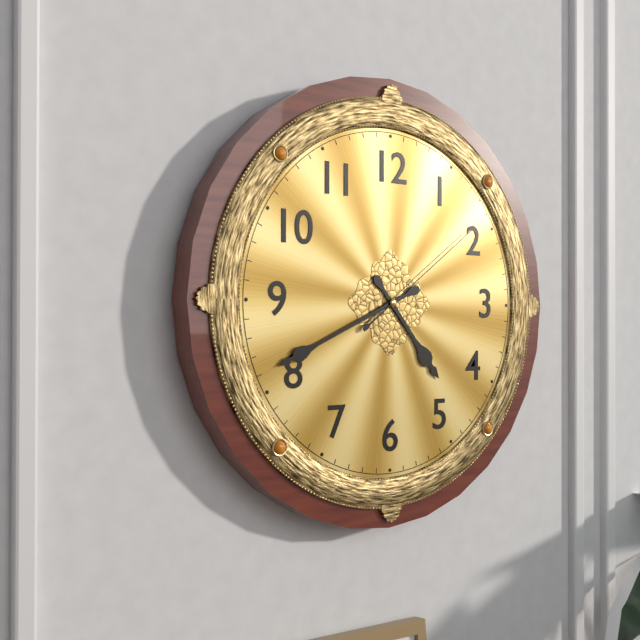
**4:41:09**
